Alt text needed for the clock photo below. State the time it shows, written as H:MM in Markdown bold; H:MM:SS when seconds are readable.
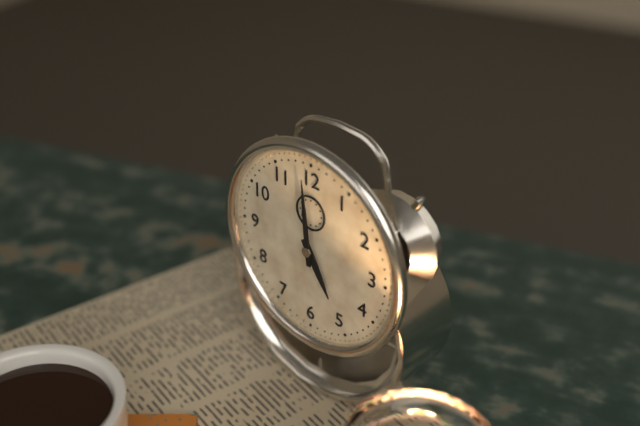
**4:59**
